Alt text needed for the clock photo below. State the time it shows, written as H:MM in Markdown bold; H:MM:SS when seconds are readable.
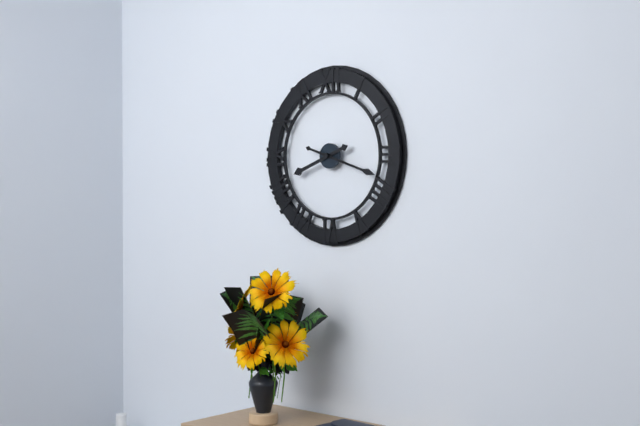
**8:18**
